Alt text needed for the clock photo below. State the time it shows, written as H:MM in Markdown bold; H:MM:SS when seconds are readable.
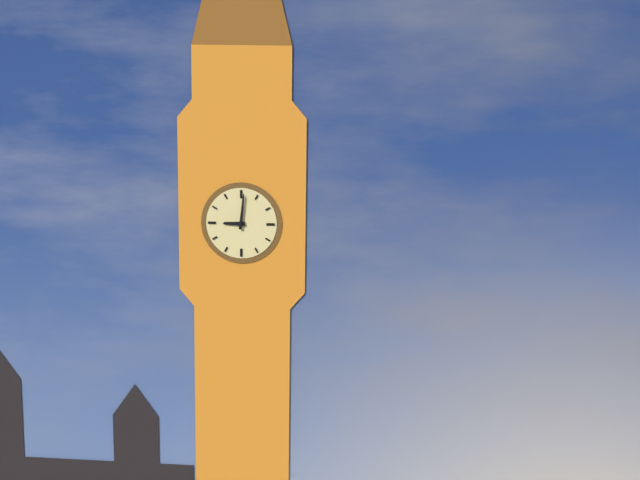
**9:01**
